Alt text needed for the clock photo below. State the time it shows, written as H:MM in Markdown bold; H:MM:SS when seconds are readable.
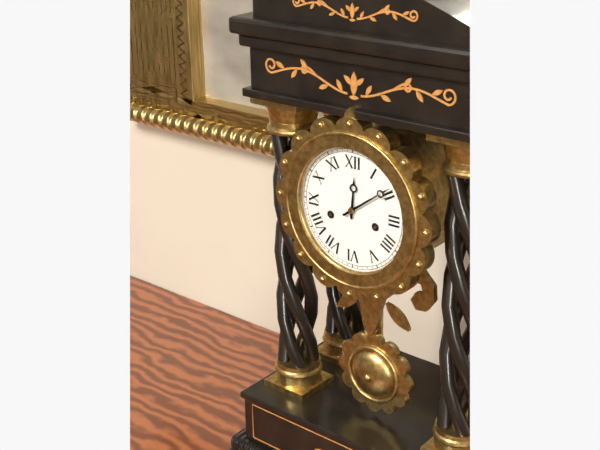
**12:09**
